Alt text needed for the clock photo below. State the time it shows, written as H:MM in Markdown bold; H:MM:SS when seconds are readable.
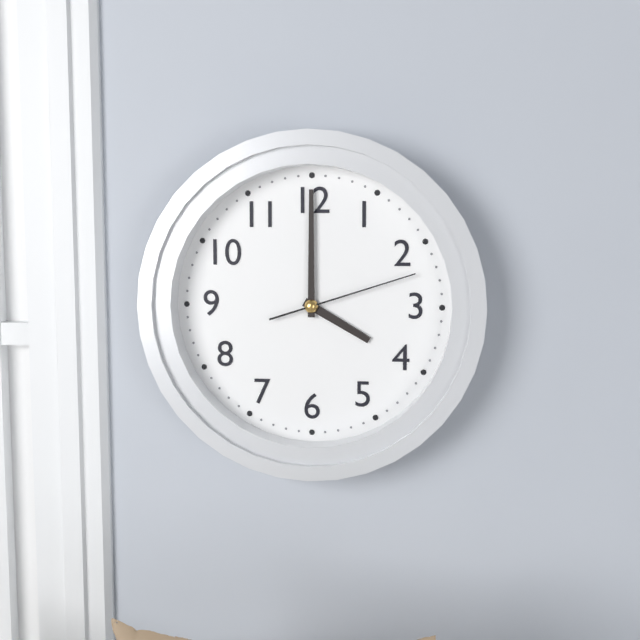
**4:00:12**
